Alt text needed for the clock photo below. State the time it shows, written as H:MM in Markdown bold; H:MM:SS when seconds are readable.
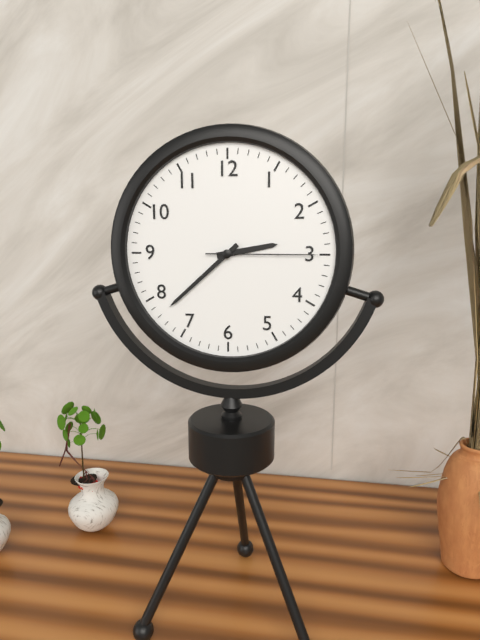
**2:38:15**
